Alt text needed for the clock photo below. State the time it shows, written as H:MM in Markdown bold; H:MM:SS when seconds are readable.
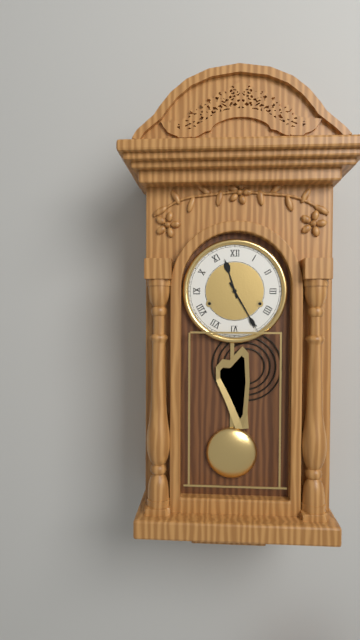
**11:25**
